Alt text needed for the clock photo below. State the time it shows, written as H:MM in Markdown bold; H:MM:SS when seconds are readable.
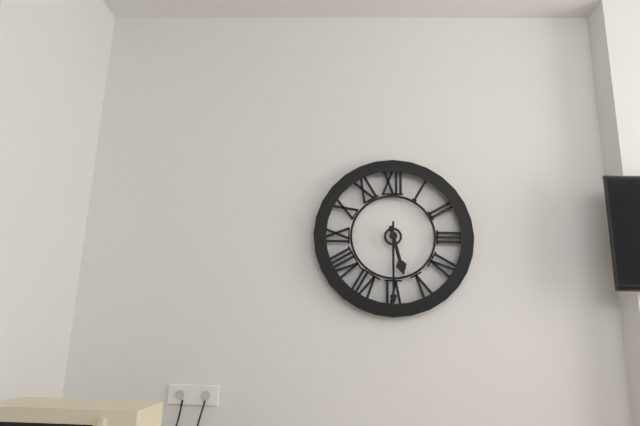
**5:30**
